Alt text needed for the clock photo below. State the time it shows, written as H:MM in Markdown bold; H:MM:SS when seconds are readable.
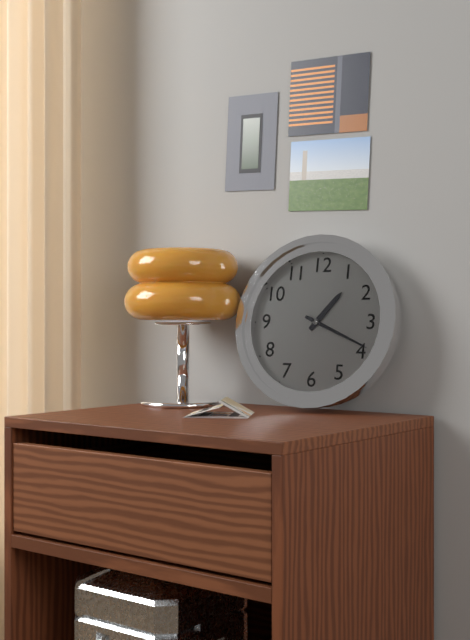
**1:19**
